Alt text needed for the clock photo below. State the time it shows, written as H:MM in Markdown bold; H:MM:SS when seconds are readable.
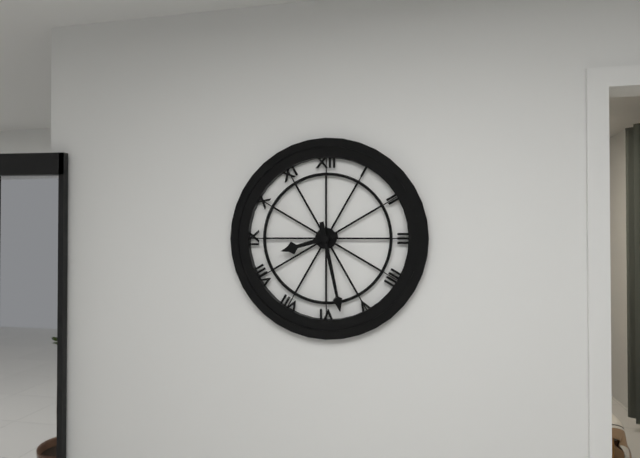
**8:28**
